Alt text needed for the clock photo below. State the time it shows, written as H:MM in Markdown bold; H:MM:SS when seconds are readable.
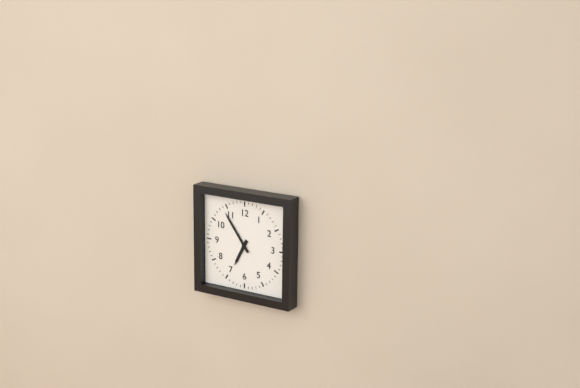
**6:54**
